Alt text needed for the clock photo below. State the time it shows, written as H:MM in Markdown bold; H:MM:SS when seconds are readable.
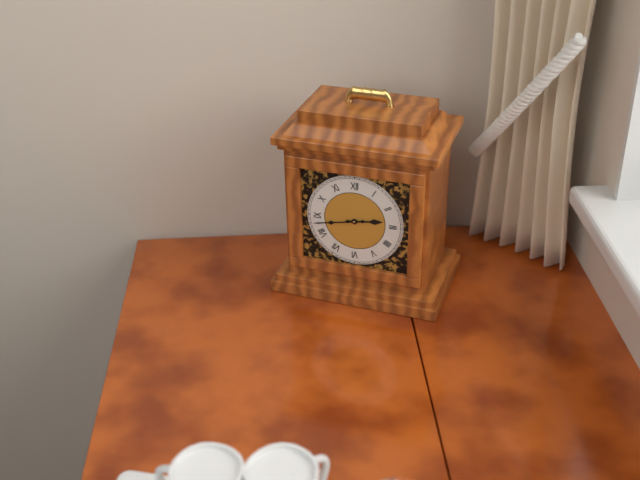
**2:43**
